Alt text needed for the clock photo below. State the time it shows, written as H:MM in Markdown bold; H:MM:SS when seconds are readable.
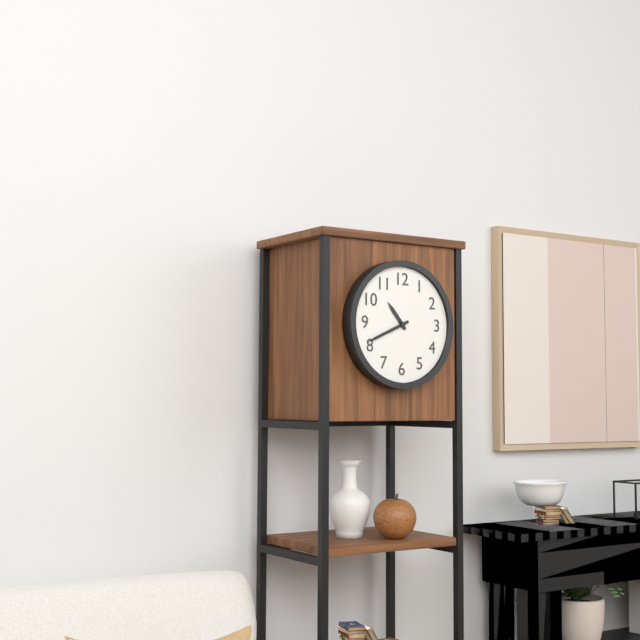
**10:41**
